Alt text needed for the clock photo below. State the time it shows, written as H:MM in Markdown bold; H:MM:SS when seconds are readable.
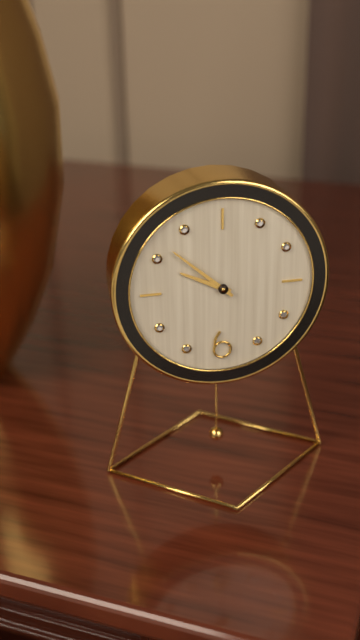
**9:52**
